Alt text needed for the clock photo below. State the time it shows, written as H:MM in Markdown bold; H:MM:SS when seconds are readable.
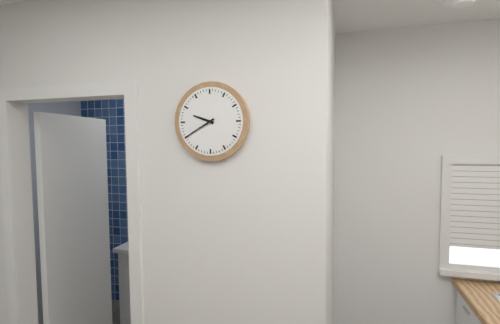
**9:40**
